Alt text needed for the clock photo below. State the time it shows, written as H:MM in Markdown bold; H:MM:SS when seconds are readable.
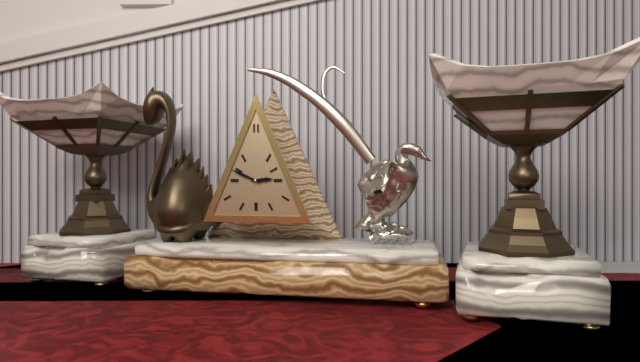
**2:49**
